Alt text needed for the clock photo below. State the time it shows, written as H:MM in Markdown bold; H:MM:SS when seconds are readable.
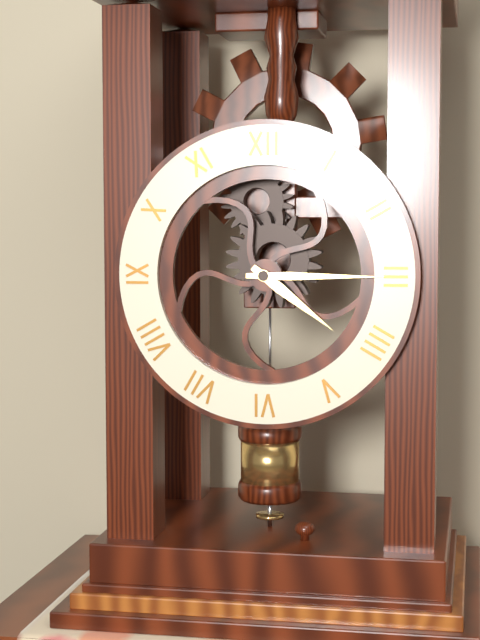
**4:15**
